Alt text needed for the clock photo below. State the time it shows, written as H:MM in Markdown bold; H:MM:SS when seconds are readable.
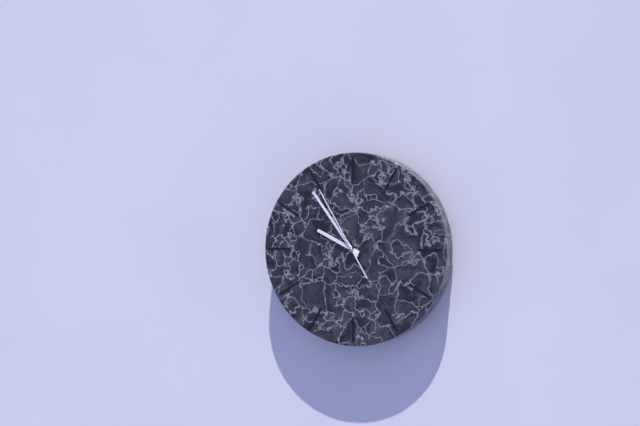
**9:54:55**
